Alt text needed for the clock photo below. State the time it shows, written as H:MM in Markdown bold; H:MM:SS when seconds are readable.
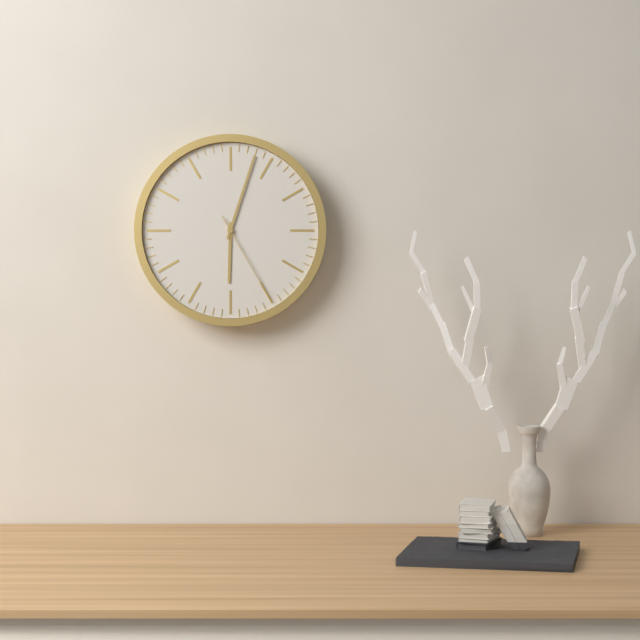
**6:03:25**
